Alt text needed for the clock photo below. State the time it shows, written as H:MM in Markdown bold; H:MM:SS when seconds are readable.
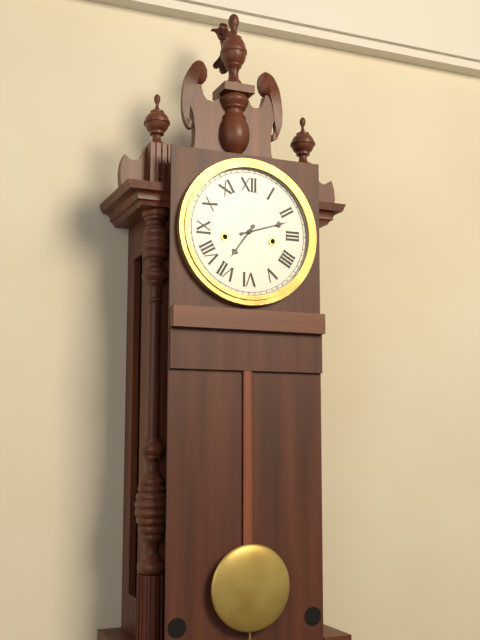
**7:12**
